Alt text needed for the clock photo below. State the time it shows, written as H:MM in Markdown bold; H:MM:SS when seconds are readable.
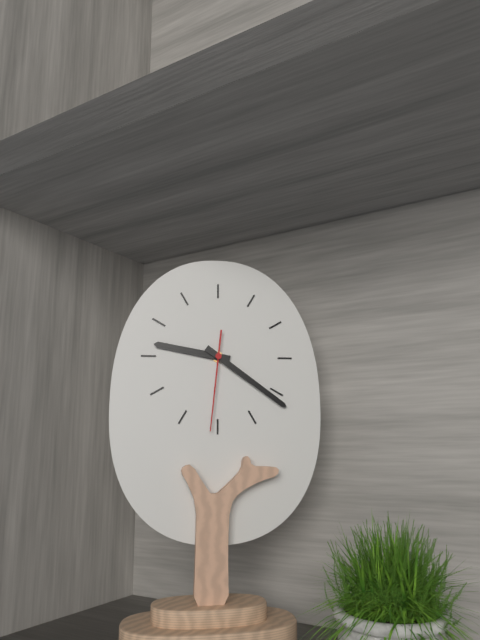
**9:21:31**
